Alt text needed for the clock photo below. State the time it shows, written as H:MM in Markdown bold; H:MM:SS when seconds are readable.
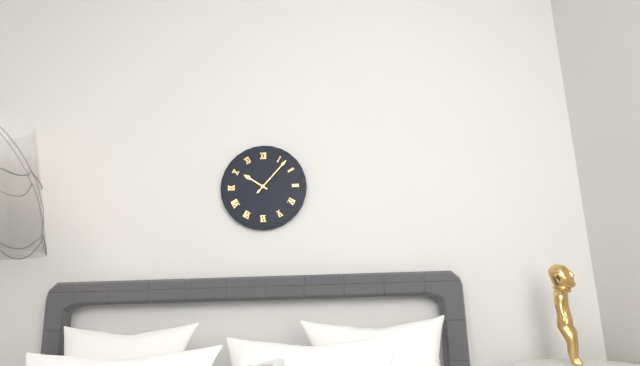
**10:07**
